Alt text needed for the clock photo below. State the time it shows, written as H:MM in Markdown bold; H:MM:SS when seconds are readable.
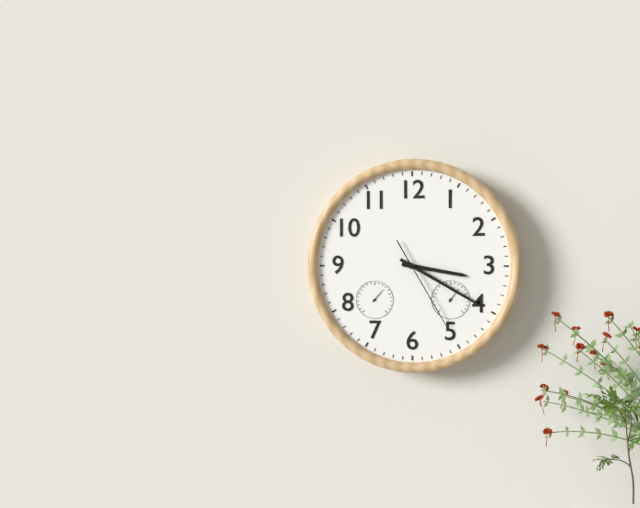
**3:20:25**
